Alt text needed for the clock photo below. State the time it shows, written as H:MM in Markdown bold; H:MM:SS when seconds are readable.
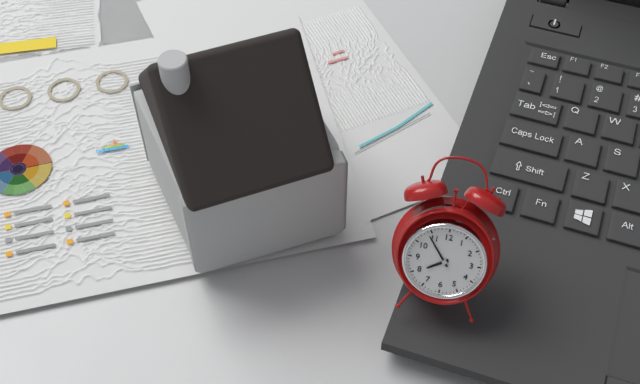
**7:54**
